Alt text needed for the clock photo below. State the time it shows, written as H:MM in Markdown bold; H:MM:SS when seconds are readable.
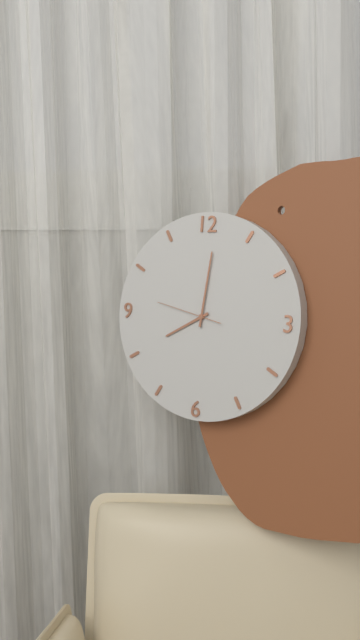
**8:01:47**
